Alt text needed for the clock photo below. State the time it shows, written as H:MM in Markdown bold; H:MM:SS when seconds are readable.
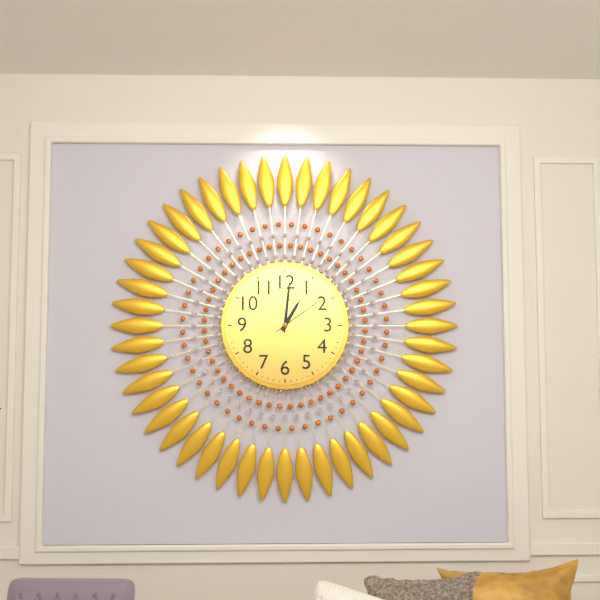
**1:01:09**
